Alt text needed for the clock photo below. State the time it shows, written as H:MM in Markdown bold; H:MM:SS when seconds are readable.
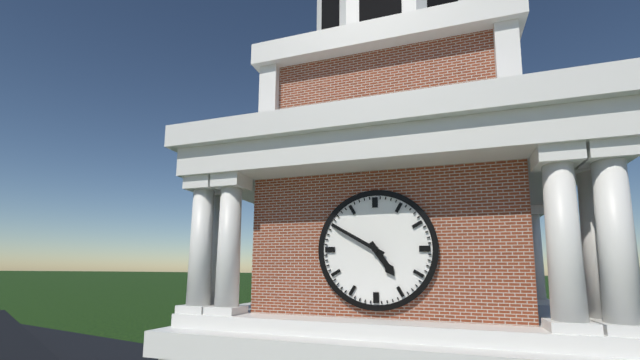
**4:50**
